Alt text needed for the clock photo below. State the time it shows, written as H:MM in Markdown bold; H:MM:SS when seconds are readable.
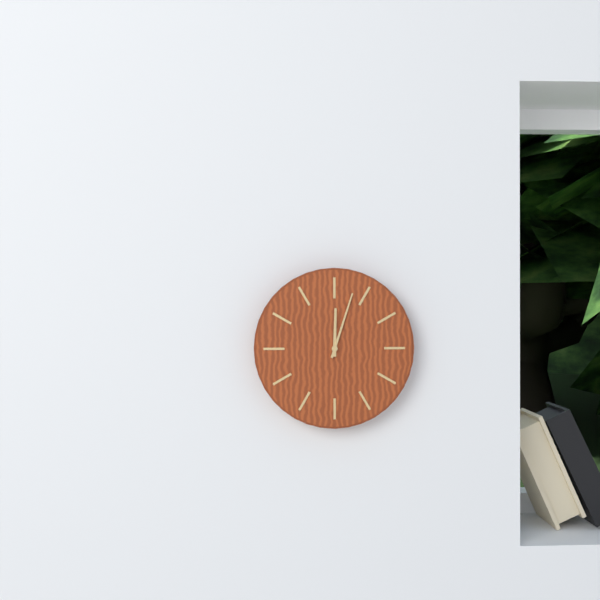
**12:03**
